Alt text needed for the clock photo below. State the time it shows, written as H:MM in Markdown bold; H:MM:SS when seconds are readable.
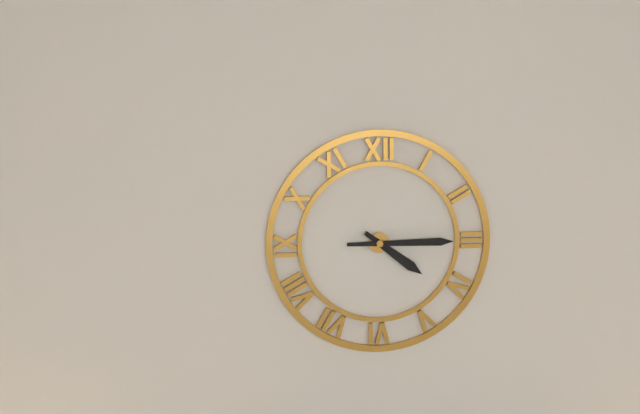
**4:15**
